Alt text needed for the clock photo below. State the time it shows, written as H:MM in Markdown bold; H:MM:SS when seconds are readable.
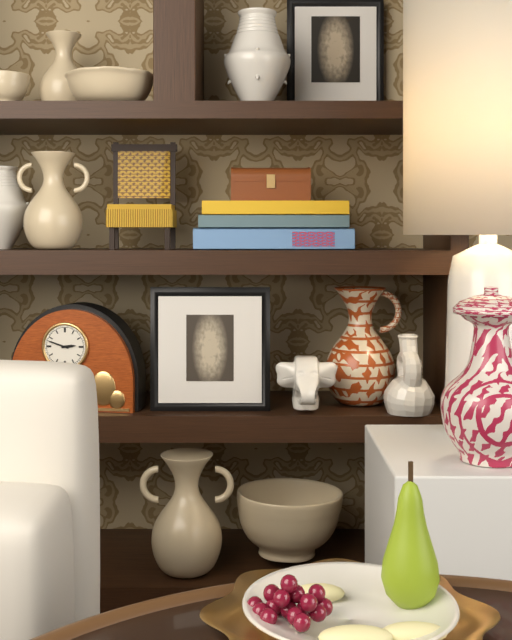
**2:48**
